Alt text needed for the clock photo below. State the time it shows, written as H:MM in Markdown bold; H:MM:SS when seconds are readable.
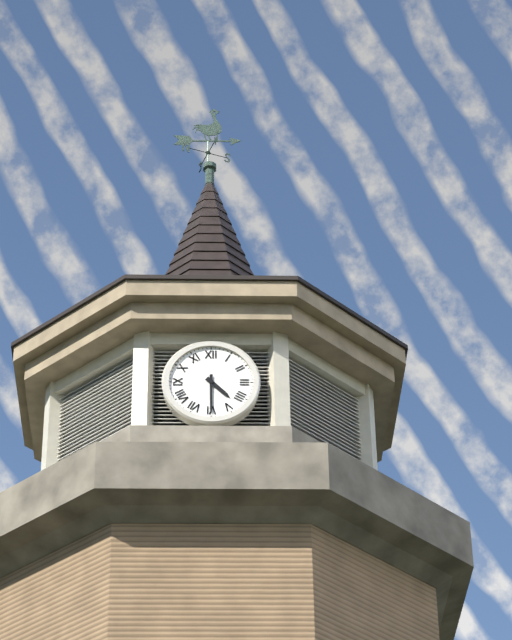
**4:30**
